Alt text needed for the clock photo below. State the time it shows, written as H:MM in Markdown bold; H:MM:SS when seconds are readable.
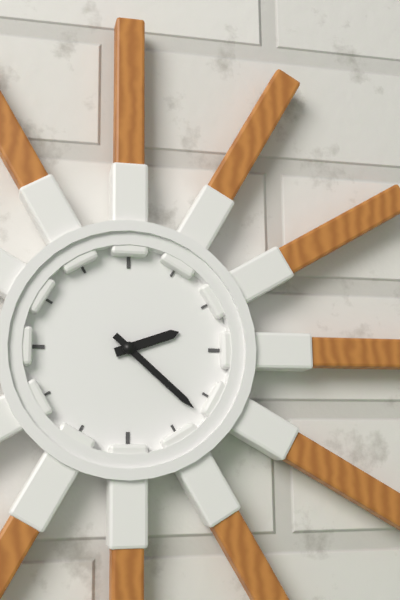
**2:22**
